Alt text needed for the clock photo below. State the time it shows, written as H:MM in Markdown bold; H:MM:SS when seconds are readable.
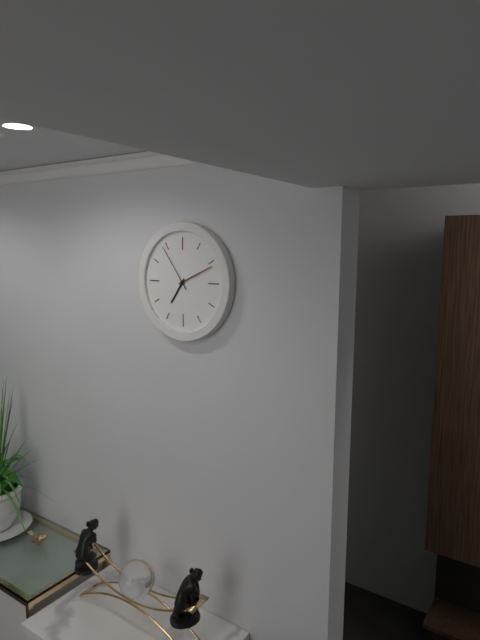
**7:11:54**
